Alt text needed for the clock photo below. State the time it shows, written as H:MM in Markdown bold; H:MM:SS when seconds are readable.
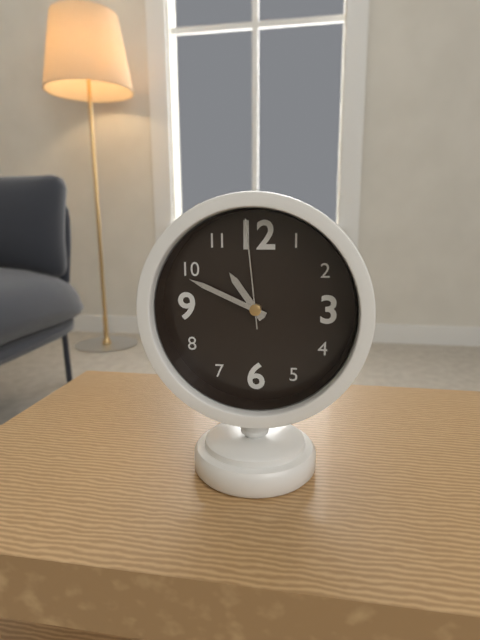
**10:49:59**
